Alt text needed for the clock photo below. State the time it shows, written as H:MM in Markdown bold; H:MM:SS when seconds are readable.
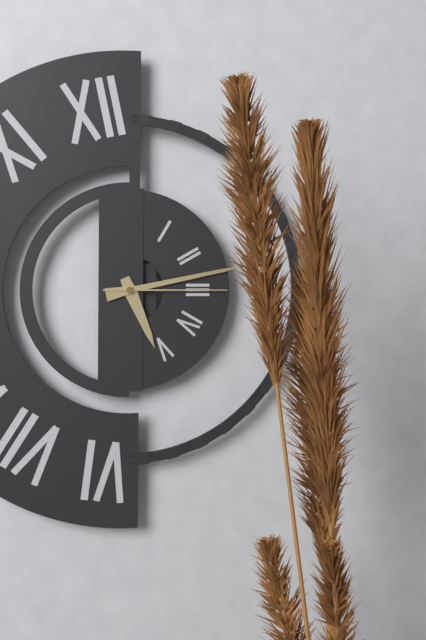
**5:13:15**
